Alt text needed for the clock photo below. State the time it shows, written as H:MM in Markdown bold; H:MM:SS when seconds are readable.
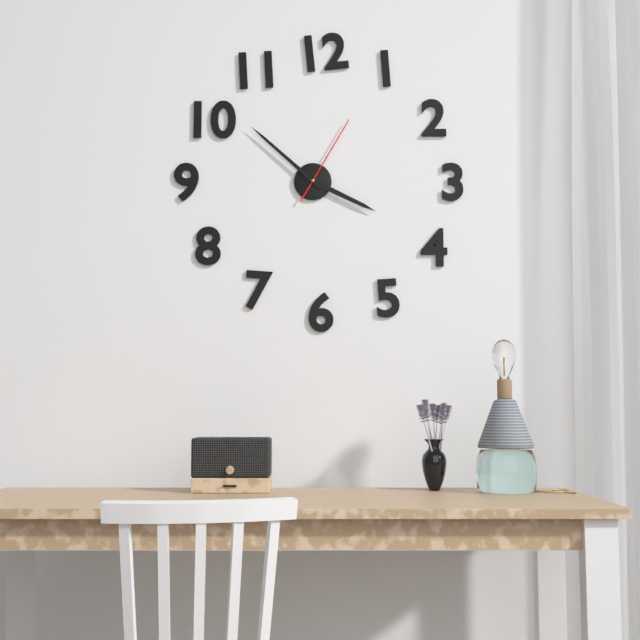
**3:52:05**
